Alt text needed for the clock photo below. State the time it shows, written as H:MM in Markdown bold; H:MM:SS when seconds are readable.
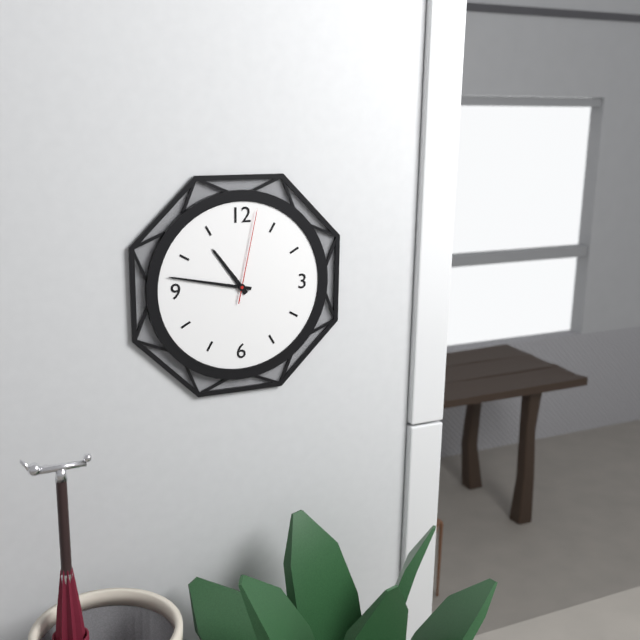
**10:47:02**
